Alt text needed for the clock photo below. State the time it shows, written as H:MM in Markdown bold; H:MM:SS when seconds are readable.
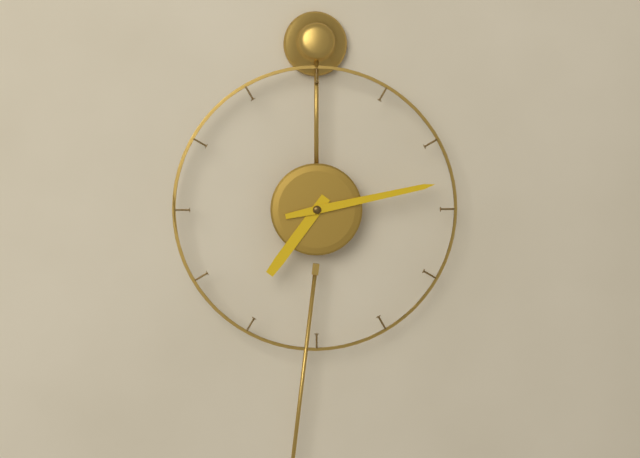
**7:13**
